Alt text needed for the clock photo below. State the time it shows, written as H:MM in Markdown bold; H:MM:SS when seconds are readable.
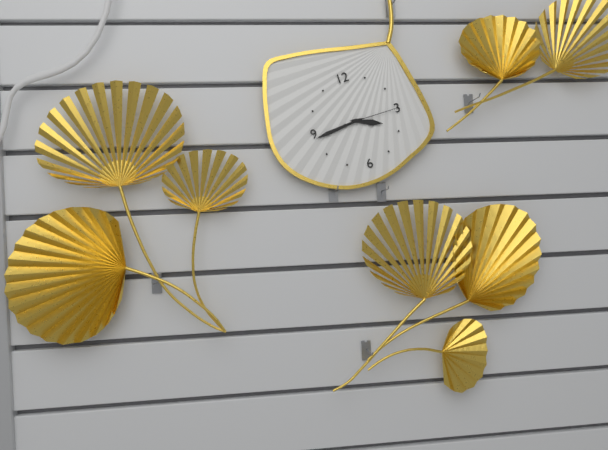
**3:44:15**
